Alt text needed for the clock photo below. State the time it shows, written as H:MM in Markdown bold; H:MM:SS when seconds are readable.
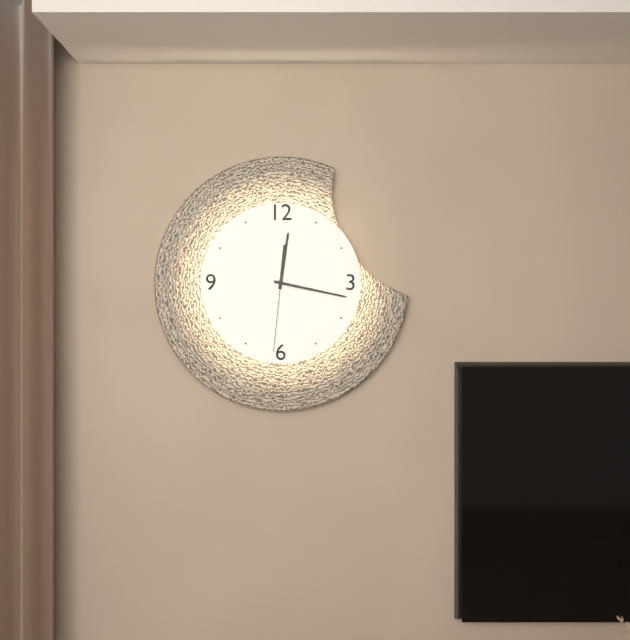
**12:17:31**
